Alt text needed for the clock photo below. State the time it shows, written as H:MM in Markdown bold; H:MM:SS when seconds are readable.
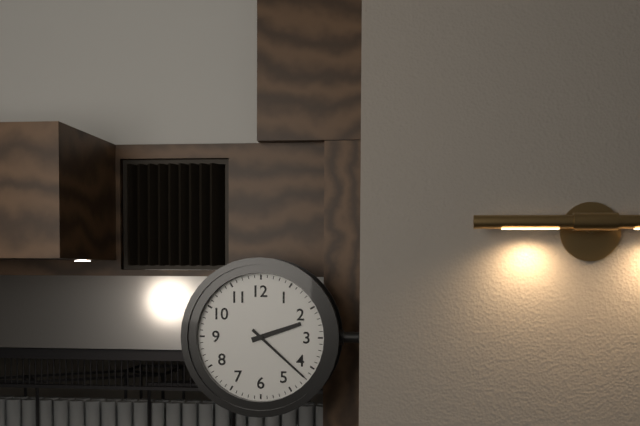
**2:22**
